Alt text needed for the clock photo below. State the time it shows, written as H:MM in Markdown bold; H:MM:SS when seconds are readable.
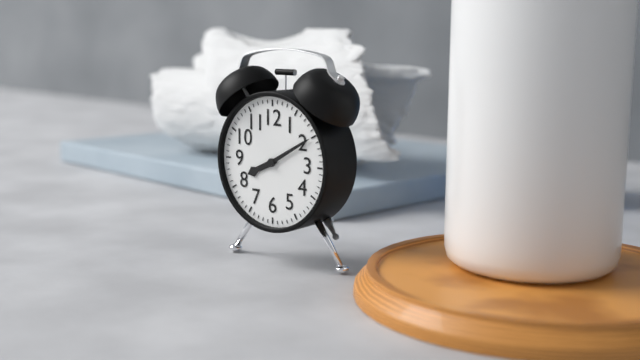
**8:10**
